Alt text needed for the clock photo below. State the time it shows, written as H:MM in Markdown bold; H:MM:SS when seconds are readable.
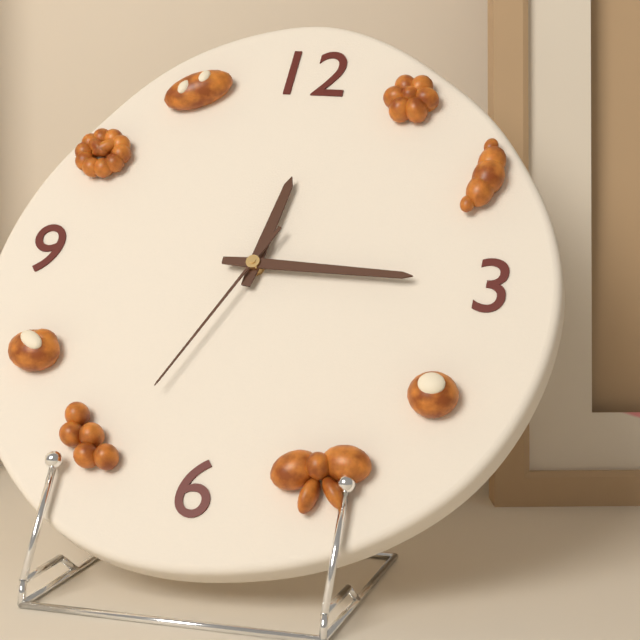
**12:15:34**
